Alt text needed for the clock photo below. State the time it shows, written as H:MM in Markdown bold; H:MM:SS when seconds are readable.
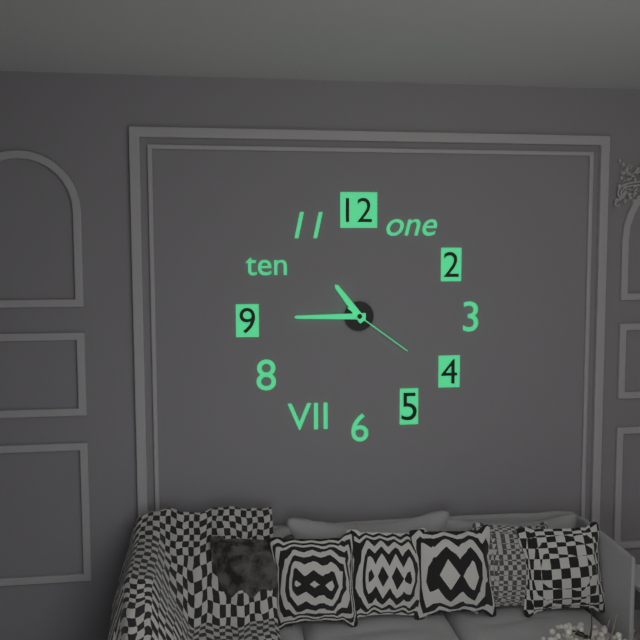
**10:45:21**
